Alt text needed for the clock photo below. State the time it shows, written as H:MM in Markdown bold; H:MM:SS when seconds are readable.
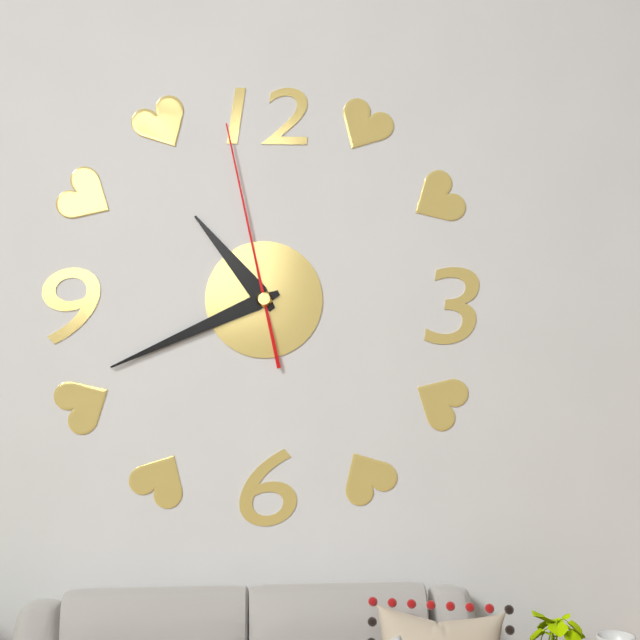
**10:41:58**
